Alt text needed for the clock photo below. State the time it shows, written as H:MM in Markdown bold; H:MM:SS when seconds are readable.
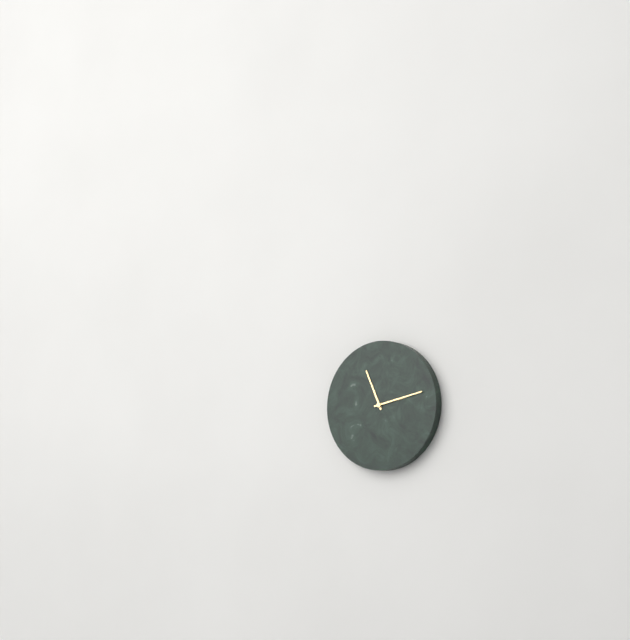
**11:13**
